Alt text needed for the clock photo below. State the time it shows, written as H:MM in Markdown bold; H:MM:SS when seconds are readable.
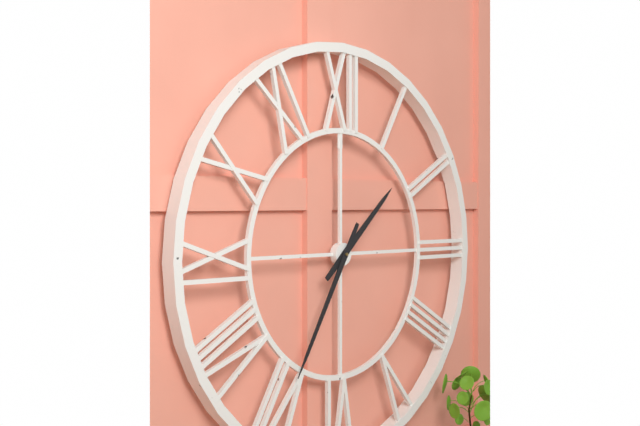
**1:35**
